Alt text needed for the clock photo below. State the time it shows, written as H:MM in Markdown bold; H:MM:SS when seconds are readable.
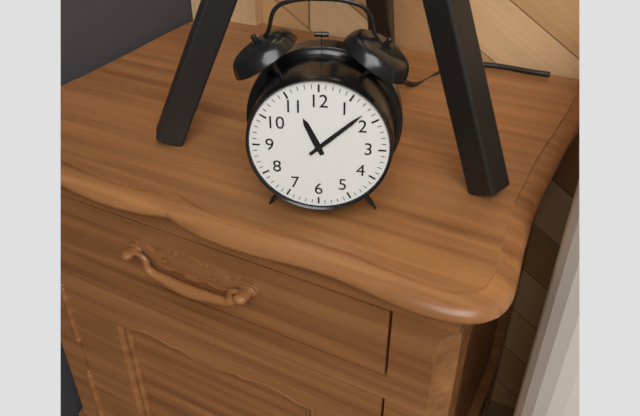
**11:08**
